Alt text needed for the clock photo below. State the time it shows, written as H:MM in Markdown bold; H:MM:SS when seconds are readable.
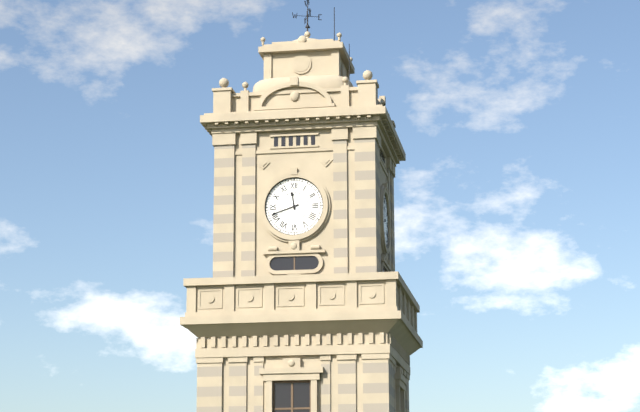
**11:42**
